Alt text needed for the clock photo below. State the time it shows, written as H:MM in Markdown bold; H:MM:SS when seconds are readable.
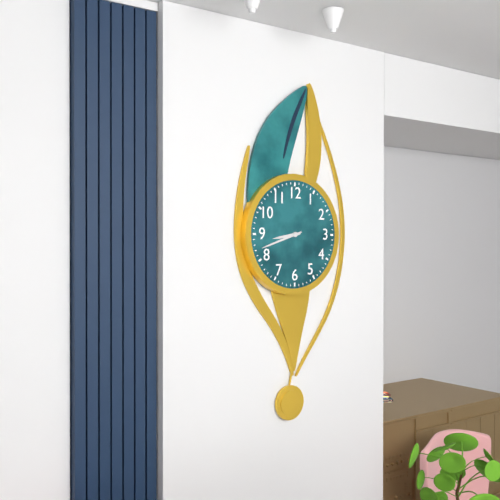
**8:42**
